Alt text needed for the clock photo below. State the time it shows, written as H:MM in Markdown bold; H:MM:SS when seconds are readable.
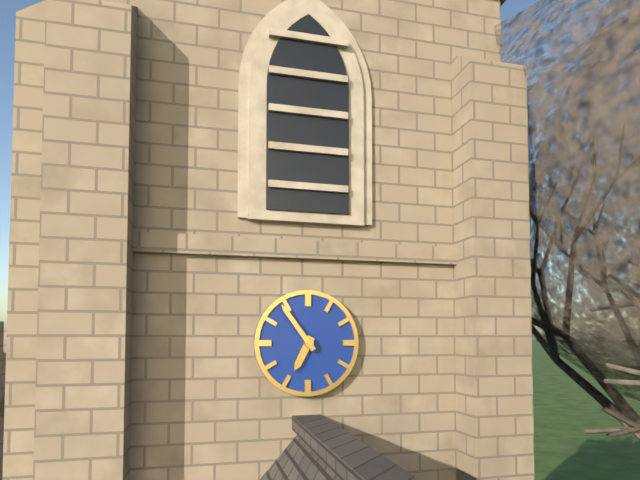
**6:54**
